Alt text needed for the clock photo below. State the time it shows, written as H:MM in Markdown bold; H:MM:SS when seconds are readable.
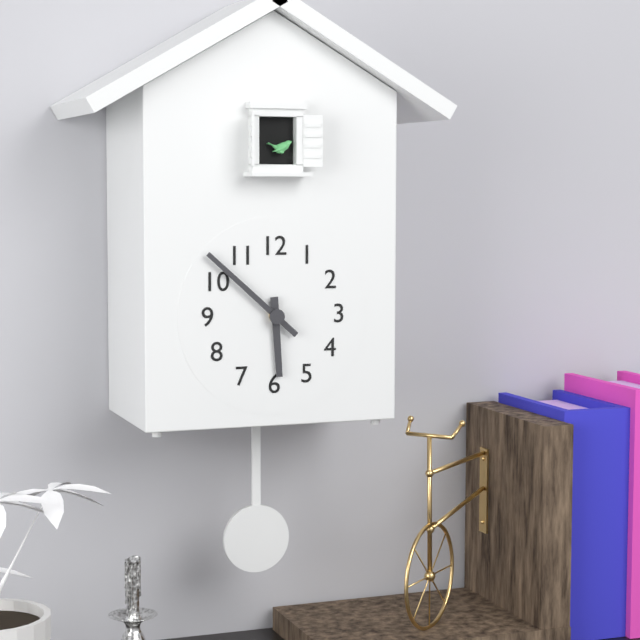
**5:52**
